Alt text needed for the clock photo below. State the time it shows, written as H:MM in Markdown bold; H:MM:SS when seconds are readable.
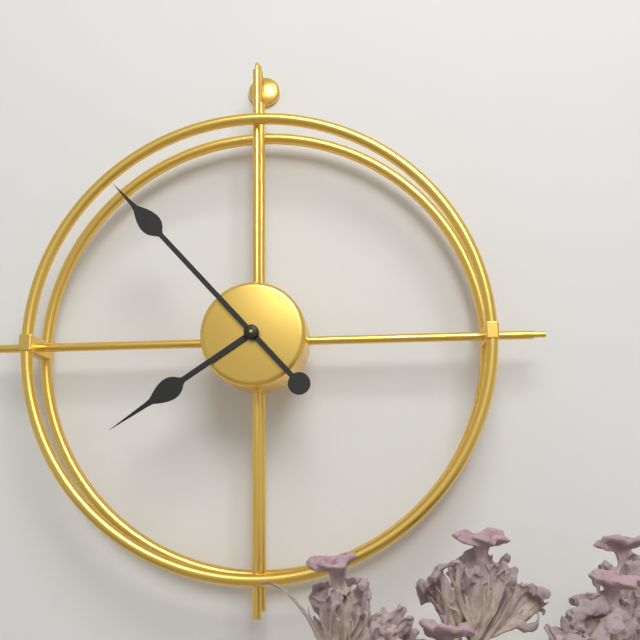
**7:53**
